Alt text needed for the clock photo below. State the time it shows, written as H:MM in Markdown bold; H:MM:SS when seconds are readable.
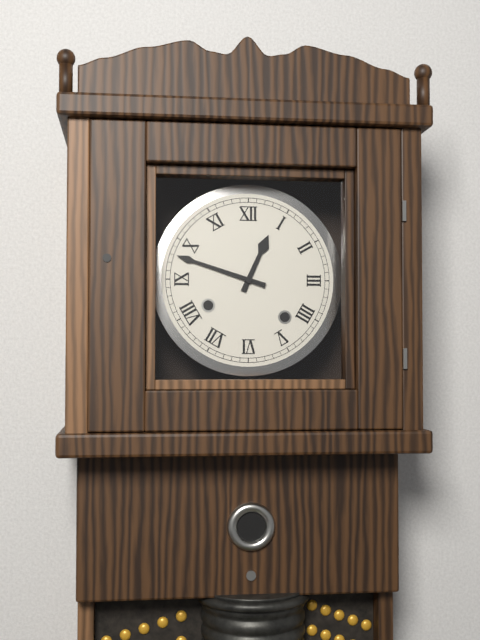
**12:48**
